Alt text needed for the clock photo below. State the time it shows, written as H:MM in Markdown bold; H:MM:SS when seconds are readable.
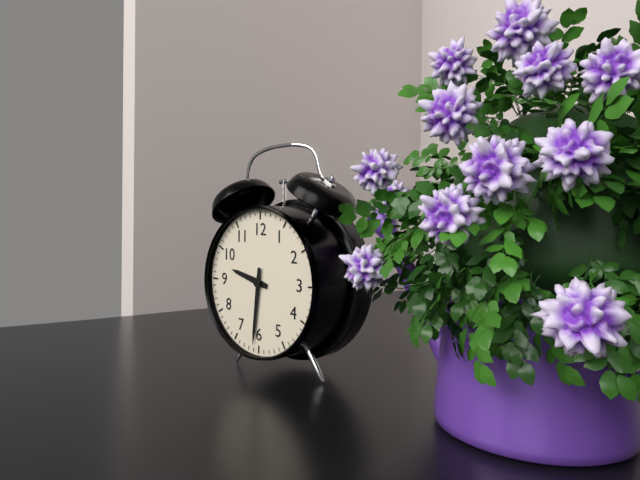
**9:31**
